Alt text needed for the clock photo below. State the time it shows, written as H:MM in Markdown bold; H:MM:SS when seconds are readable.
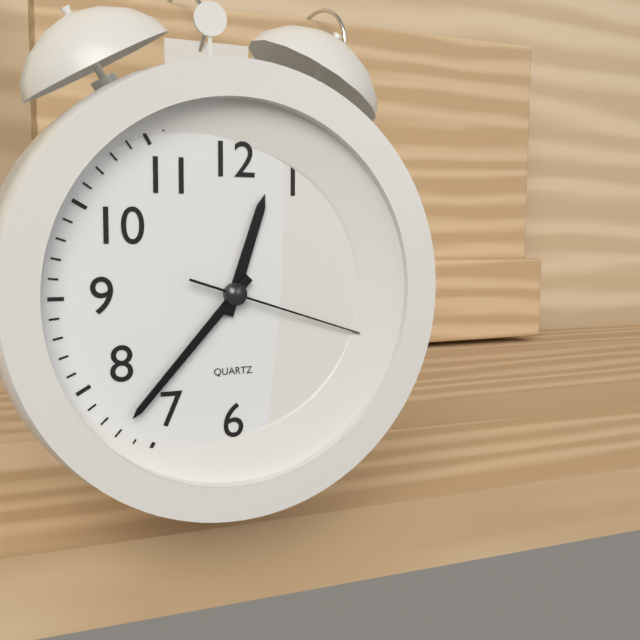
**12:37:18**
